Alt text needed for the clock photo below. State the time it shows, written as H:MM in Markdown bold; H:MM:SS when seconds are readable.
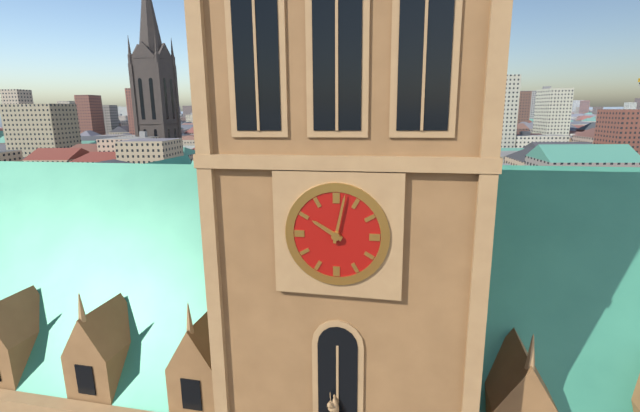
**10:02**
